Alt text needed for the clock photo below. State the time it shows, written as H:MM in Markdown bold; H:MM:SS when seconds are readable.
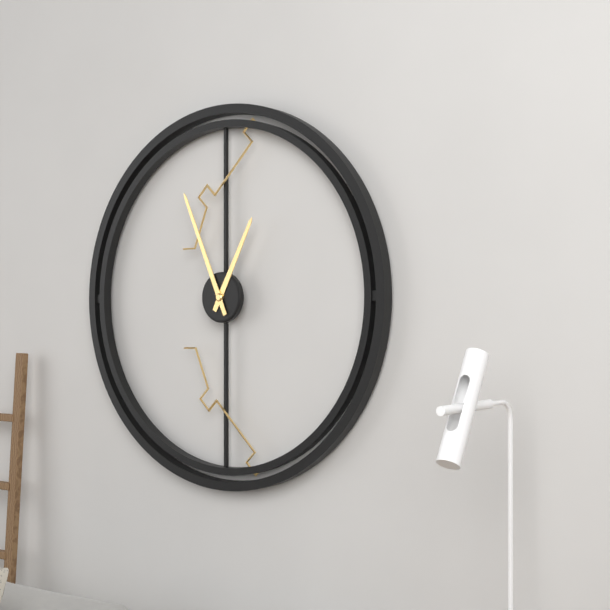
**12:56**
